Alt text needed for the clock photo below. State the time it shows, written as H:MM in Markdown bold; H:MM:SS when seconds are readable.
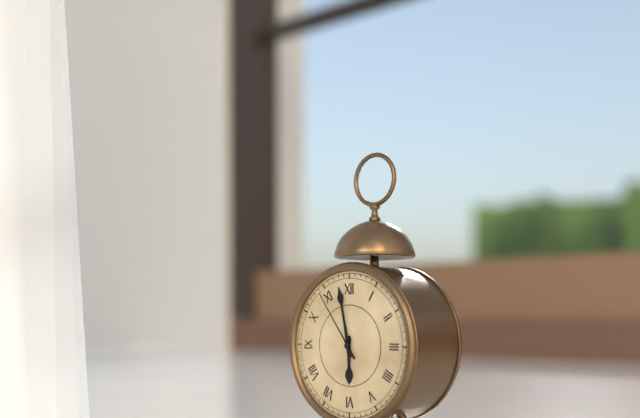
**5:58:54**
